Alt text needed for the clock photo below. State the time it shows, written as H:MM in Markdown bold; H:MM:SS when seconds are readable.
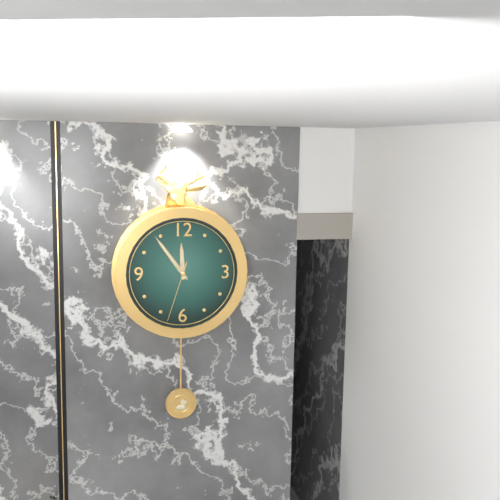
**11:54:33**
